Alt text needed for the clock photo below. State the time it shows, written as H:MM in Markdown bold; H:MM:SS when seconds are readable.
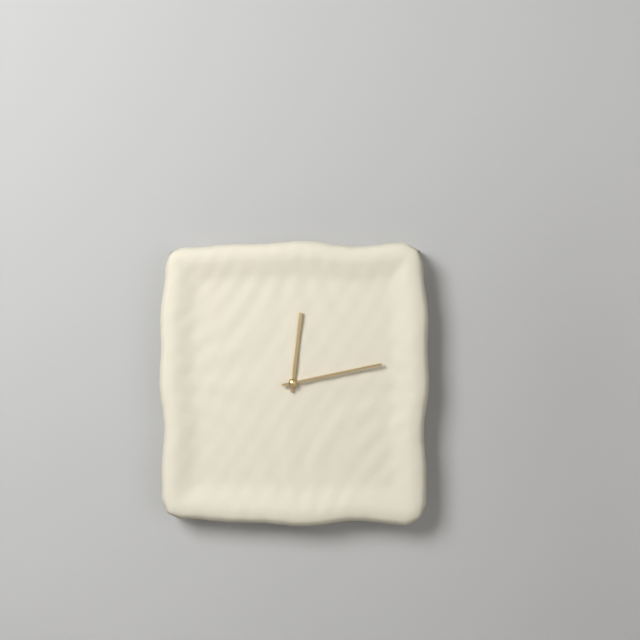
**12:13**
